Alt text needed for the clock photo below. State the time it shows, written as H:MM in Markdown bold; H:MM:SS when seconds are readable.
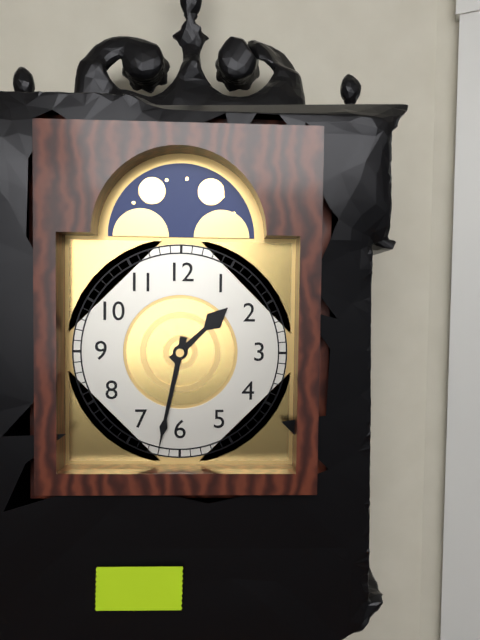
**1:32**
